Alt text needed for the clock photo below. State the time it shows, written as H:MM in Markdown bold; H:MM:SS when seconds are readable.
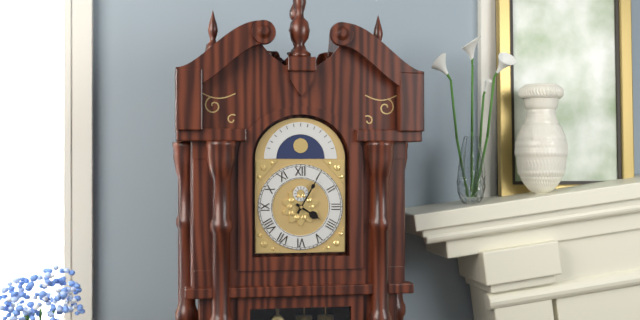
**4:05**
